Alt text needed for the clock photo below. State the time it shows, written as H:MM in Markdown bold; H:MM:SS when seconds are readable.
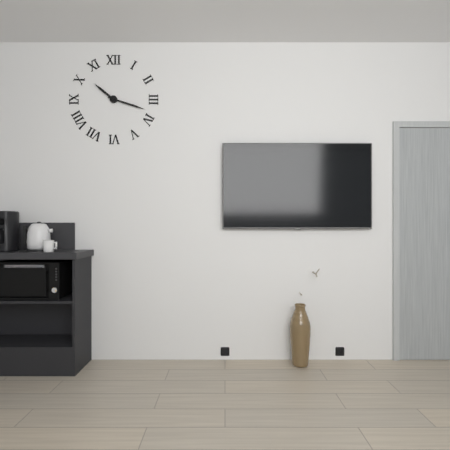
**10:18**
